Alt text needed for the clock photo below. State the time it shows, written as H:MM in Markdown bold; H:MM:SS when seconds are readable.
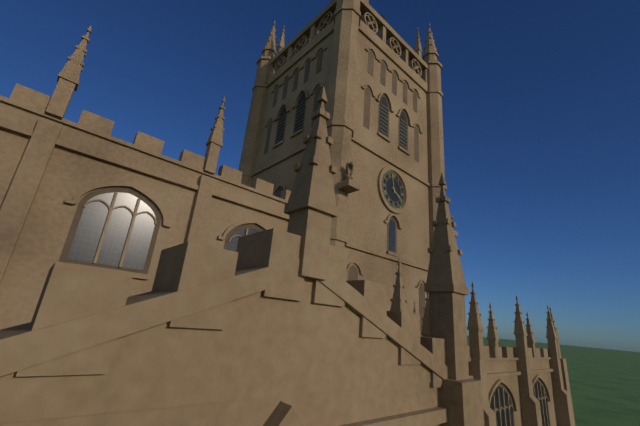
**3:58**
